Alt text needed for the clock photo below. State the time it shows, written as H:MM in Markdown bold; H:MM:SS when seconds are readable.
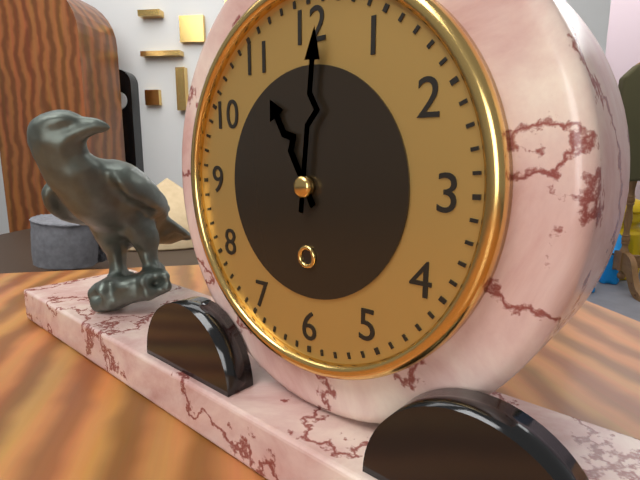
**11:01**
